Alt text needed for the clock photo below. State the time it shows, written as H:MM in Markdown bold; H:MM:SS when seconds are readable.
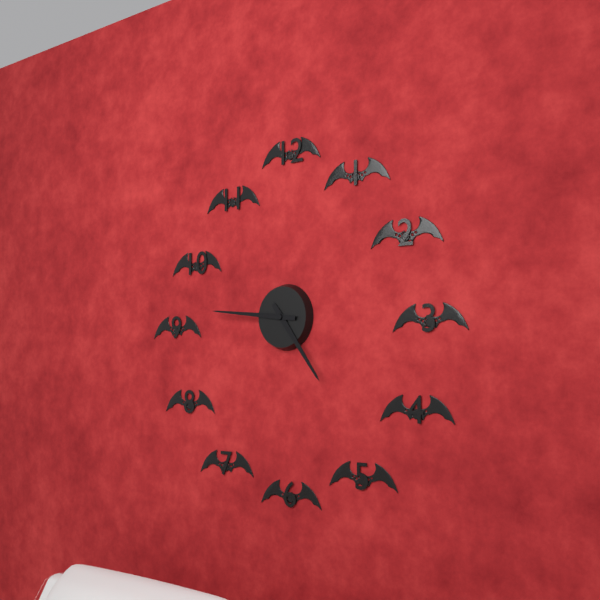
**4:46**
